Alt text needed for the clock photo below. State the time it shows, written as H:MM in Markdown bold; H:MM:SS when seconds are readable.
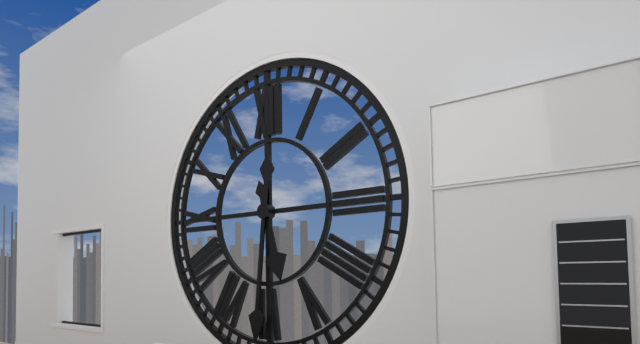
**5:31**
